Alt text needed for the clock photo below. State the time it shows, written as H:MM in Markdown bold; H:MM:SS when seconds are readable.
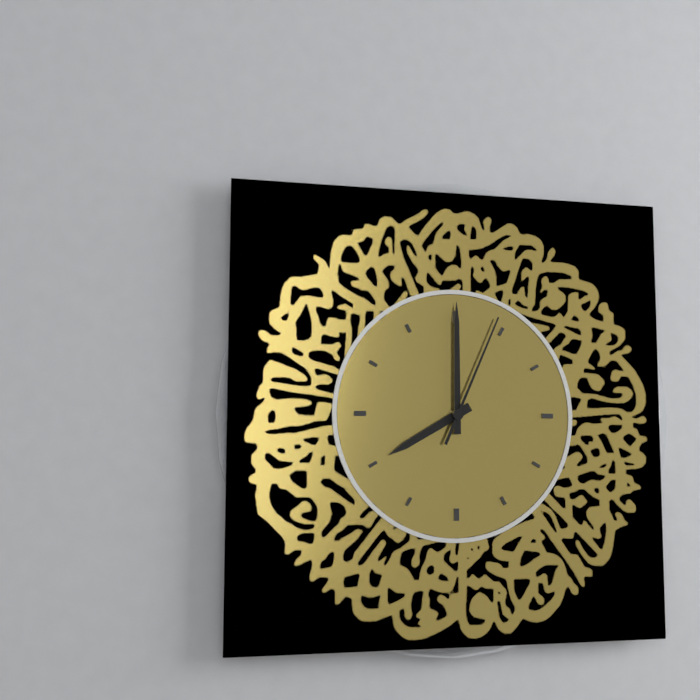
**8:00:04**
